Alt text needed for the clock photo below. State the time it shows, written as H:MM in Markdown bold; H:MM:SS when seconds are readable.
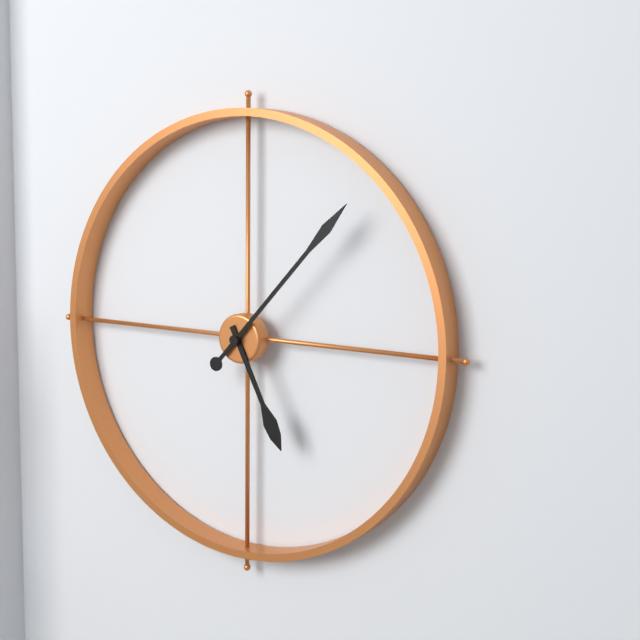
**5:07**
